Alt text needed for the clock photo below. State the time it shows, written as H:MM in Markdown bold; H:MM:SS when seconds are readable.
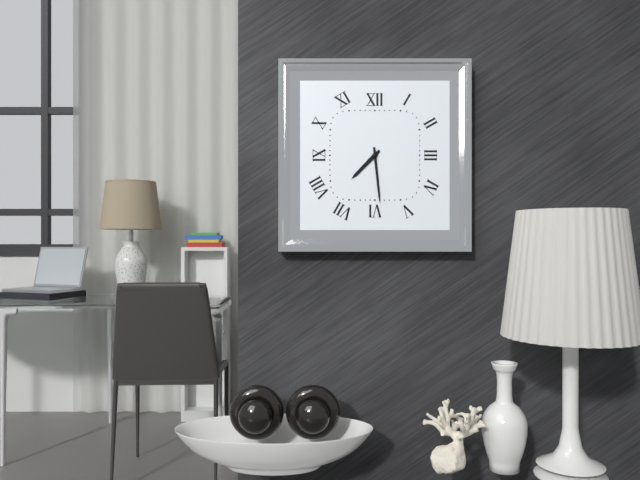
**7:29**
